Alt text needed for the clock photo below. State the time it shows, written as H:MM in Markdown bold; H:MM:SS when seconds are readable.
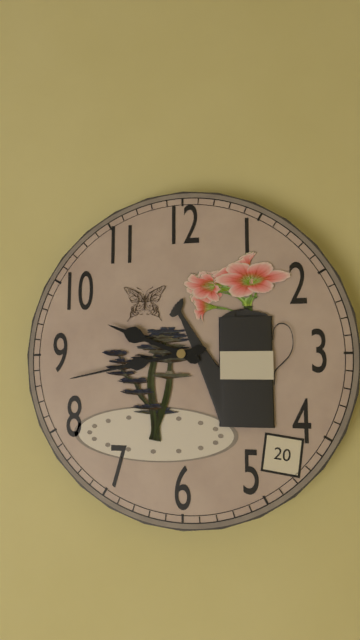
**9:43**
